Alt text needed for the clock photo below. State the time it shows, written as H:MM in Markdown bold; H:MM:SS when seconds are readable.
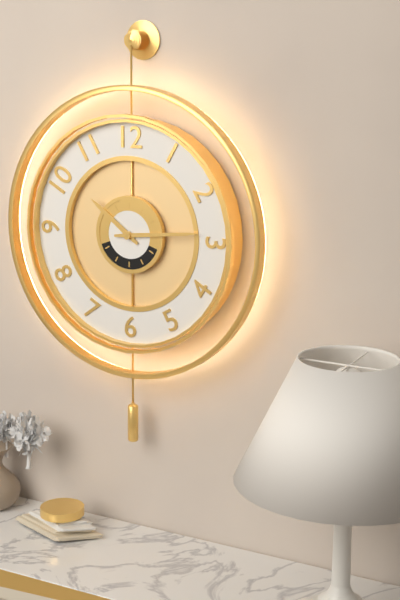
**10:14**
